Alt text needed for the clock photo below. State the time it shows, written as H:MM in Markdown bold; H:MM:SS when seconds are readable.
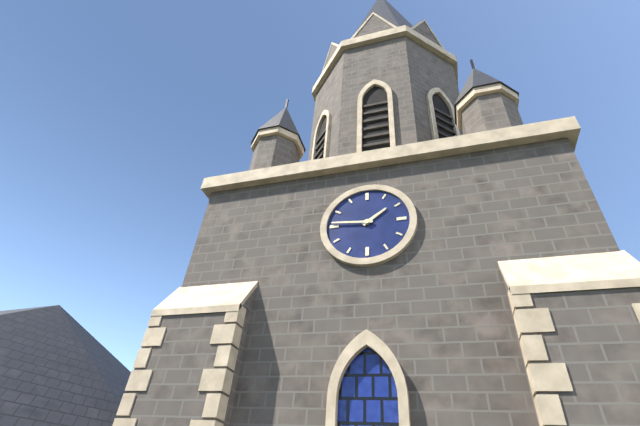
**1:46**
